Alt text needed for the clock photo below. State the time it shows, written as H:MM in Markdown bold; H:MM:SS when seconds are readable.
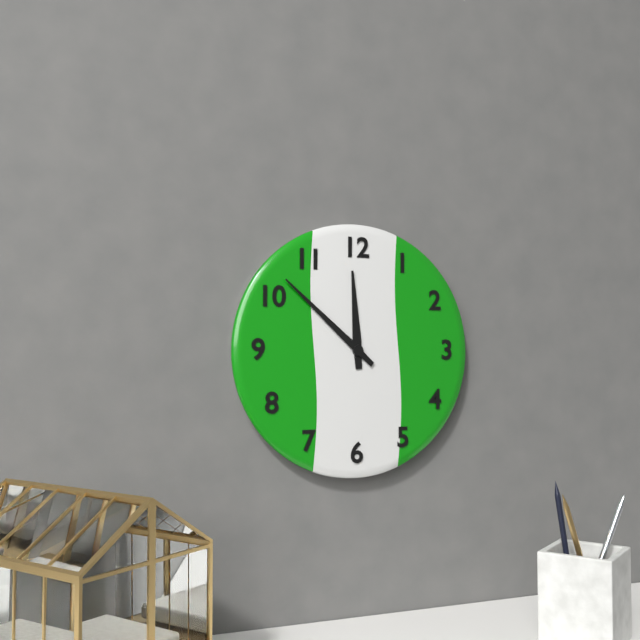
**11:52**
